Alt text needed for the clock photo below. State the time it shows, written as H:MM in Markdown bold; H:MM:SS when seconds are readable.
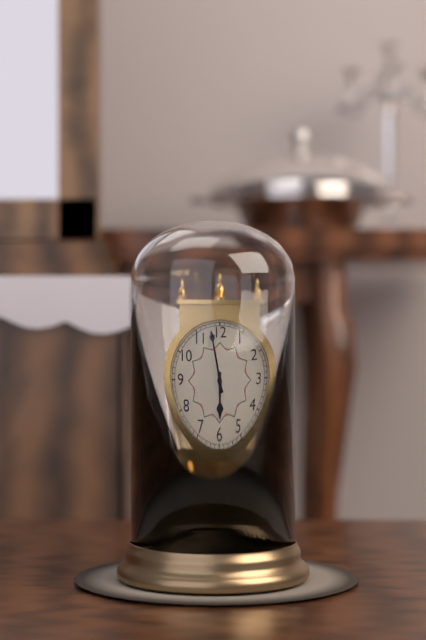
**5:58**
